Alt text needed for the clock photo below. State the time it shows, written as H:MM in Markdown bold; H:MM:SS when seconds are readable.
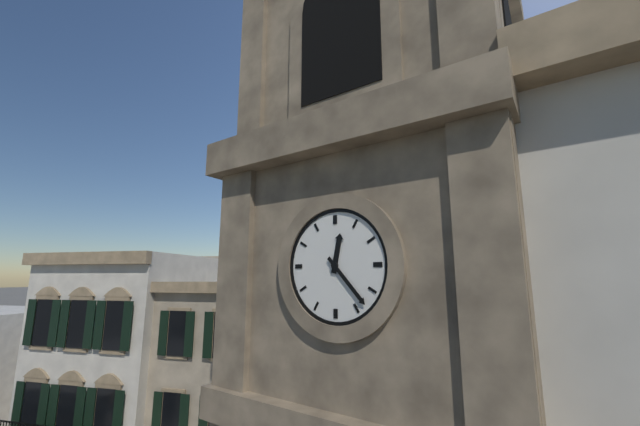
**12:23**
